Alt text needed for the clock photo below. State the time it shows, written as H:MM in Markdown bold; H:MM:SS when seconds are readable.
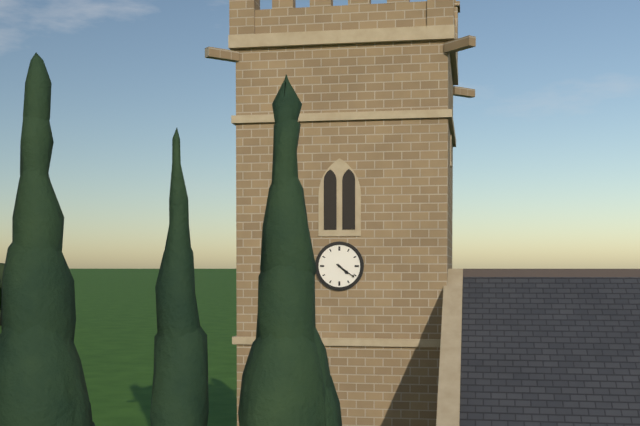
**4:21**
